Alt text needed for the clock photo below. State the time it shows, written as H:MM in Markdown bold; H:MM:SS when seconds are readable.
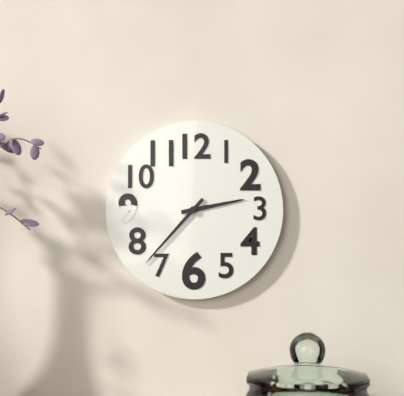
**2:37**
